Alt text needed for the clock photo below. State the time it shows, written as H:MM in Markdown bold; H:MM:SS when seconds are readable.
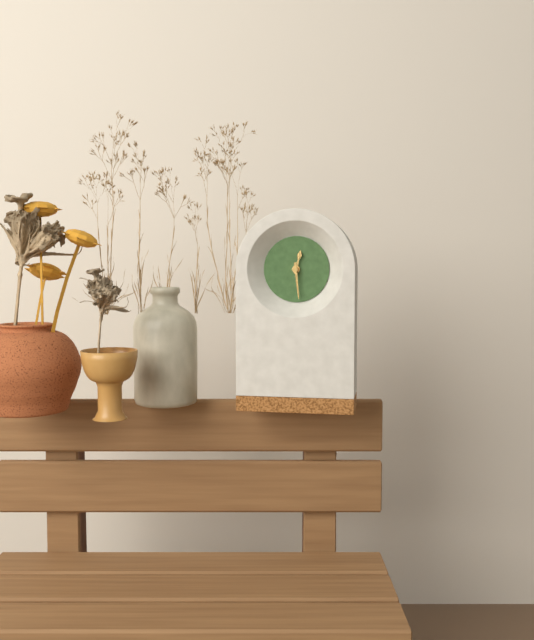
**12:29**
